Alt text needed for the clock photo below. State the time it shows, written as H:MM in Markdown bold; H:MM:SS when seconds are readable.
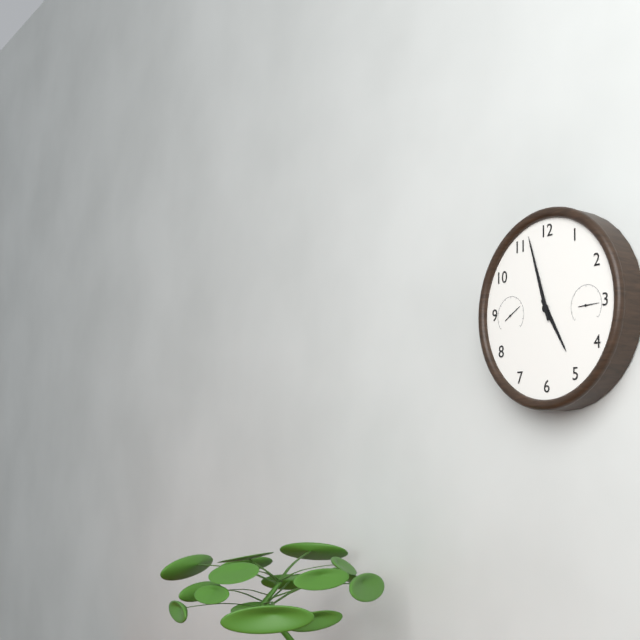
**4:57**
